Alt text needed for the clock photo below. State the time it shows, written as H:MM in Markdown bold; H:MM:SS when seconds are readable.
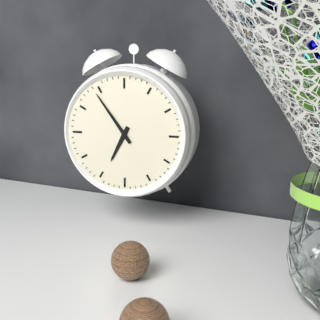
**6:54**
